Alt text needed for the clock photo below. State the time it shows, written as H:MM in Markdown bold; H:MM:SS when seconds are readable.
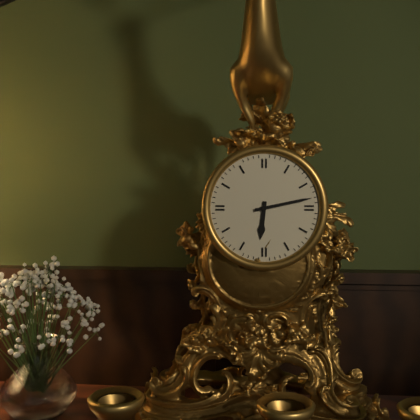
**6:13**
